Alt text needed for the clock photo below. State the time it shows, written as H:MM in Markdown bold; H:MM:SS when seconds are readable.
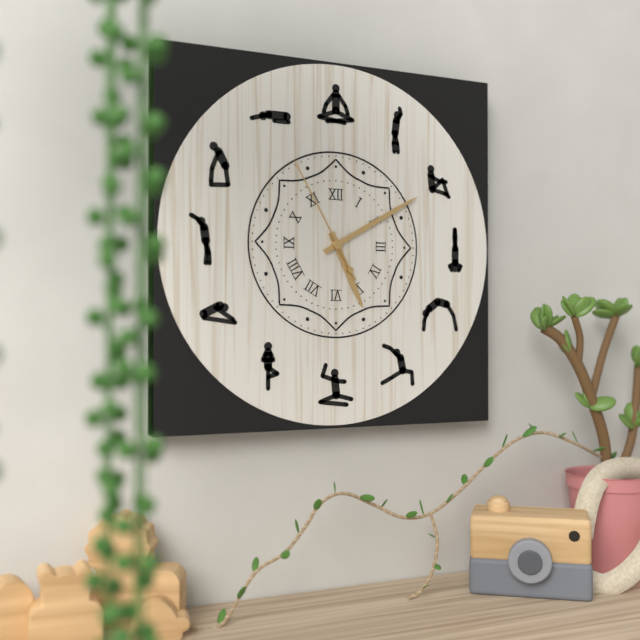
**5:10:55**
